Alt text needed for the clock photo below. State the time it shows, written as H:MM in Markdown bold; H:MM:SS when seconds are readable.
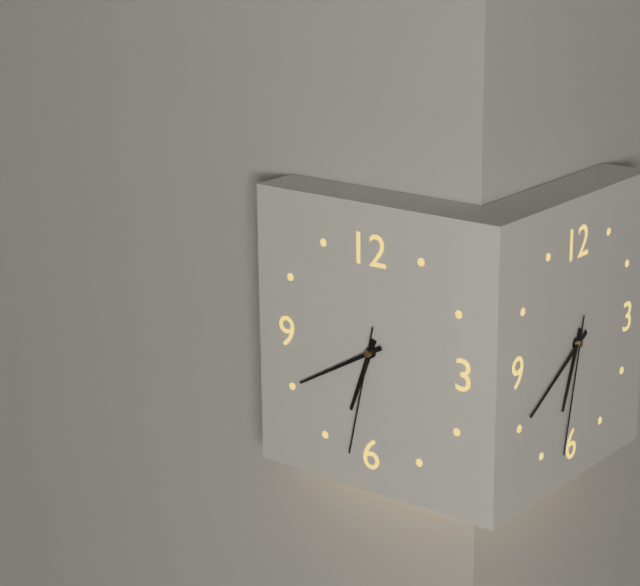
**6:40:32**
